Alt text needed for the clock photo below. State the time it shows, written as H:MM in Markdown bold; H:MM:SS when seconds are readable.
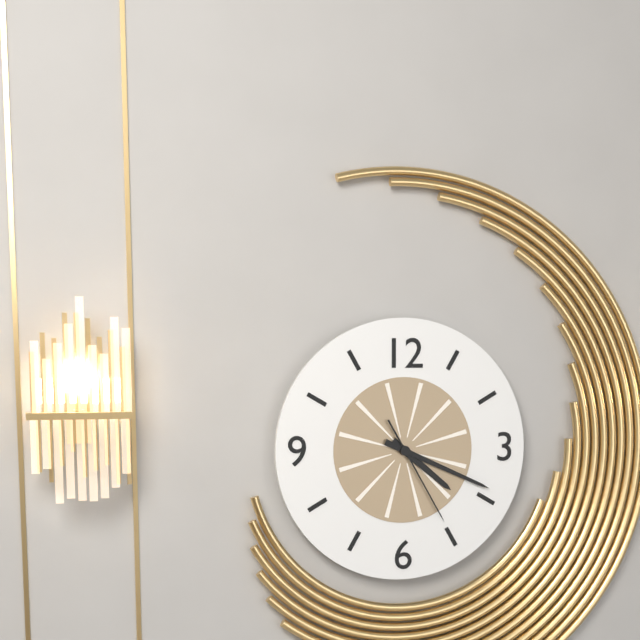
**4:19:25**
